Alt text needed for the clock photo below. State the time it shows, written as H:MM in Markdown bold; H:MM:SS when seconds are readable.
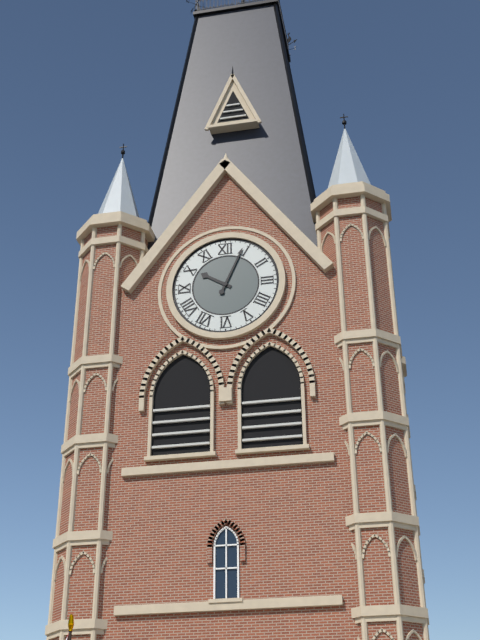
**10:04**
